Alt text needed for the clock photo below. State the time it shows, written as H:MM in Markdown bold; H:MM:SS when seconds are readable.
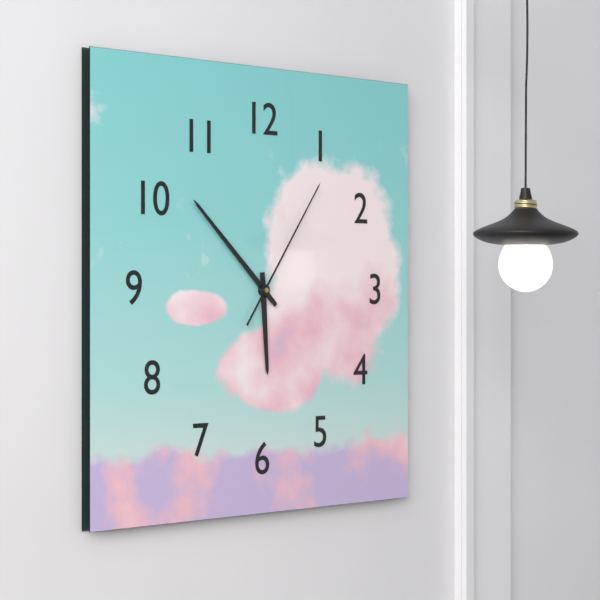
**5:52:06**
